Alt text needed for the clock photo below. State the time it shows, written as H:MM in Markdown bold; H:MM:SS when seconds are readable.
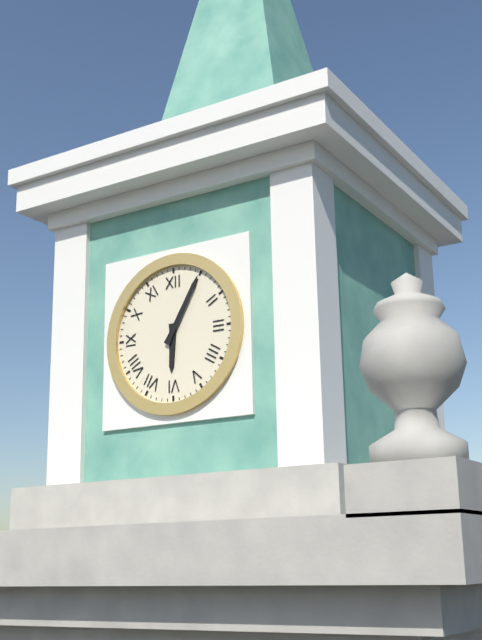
**6:05**
